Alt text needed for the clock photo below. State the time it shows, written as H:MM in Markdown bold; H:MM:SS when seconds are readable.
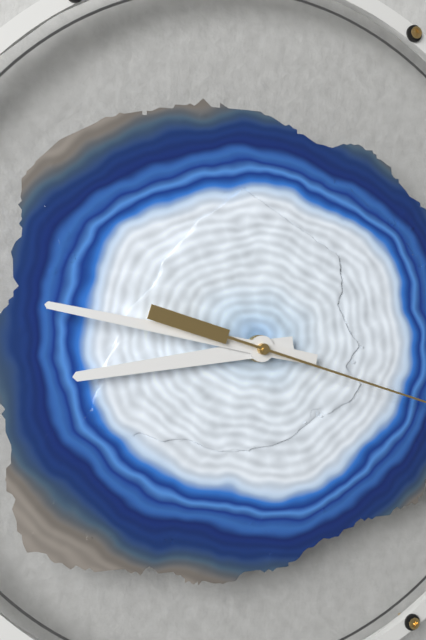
**8:47**
